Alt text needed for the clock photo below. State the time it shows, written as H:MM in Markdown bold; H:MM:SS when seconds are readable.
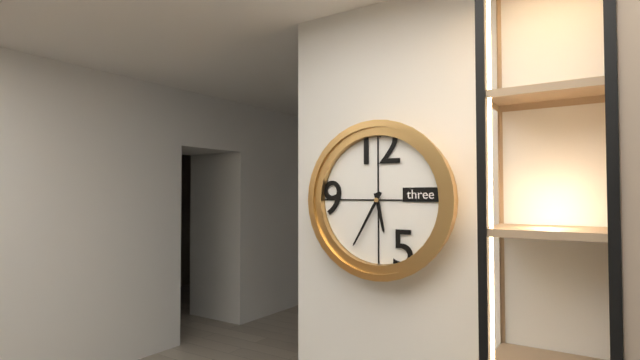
**5:35**
